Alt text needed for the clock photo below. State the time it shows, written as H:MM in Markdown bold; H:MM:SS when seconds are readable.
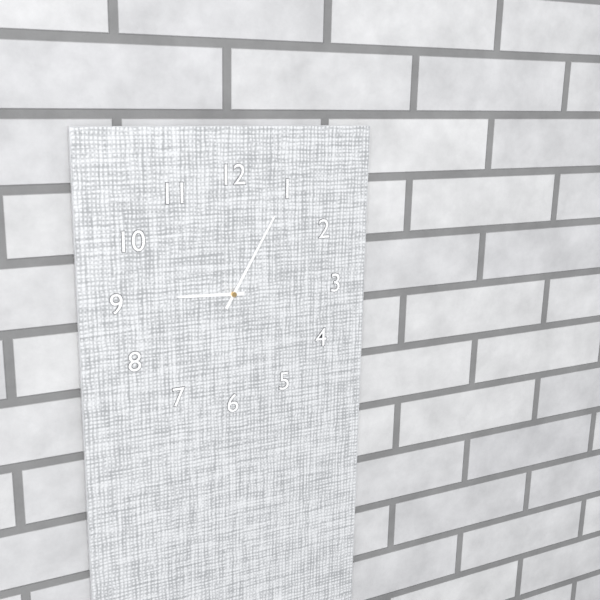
**9:05**
